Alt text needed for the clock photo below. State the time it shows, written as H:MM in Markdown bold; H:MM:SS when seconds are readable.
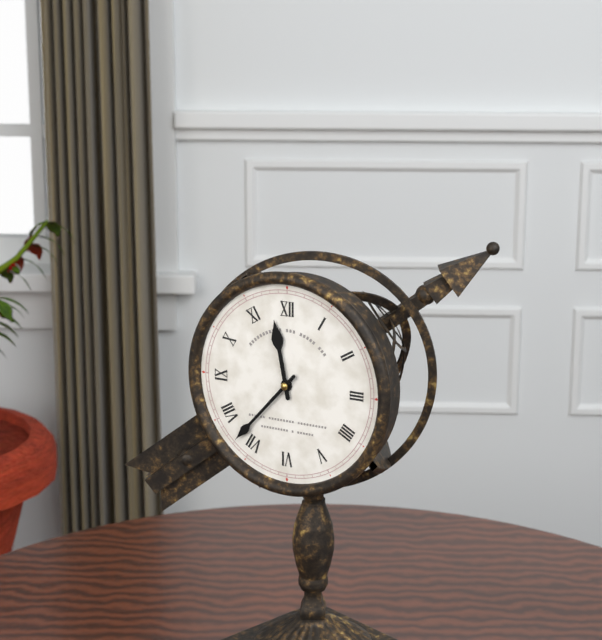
**11:37**
